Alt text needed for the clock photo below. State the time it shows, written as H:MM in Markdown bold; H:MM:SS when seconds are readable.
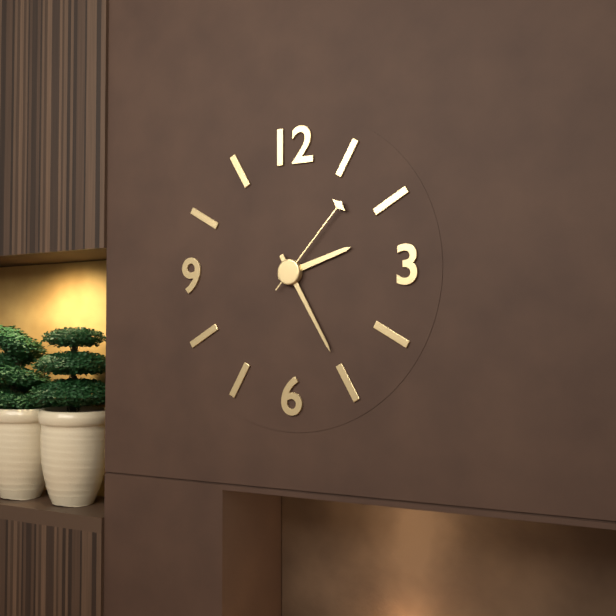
**2:25:07**
